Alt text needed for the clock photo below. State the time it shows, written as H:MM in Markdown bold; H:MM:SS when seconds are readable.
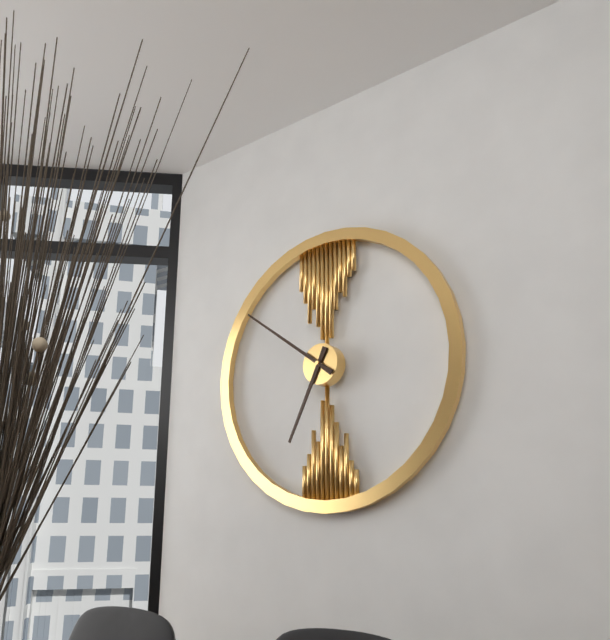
**6:51**
